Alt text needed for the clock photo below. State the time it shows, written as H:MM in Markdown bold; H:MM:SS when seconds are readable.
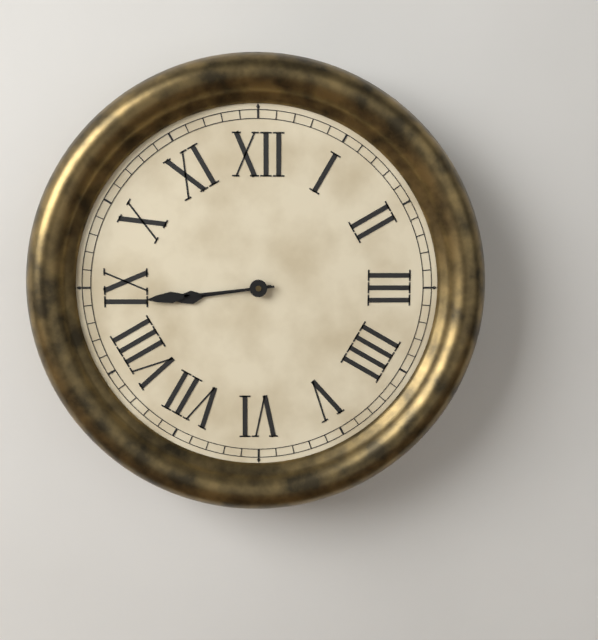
**8:44**
